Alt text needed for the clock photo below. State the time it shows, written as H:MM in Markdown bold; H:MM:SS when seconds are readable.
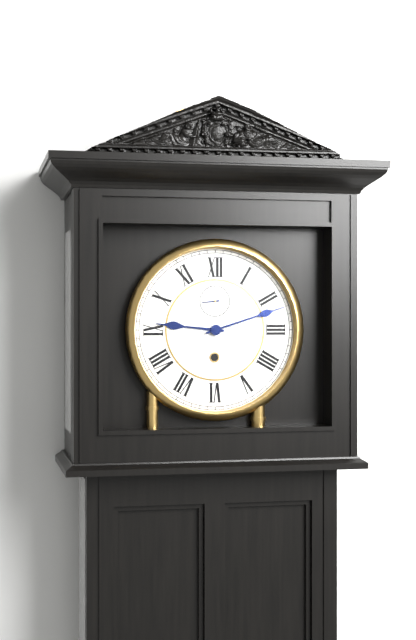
**9:12**
